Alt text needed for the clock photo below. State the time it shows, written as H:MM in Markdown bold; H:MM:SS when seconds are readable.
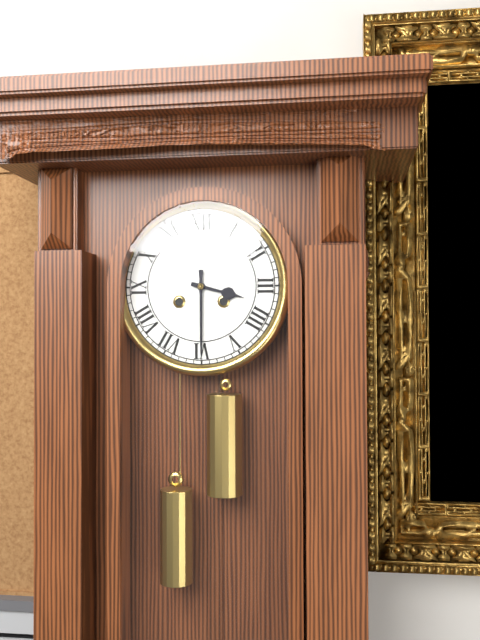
**3:30**
